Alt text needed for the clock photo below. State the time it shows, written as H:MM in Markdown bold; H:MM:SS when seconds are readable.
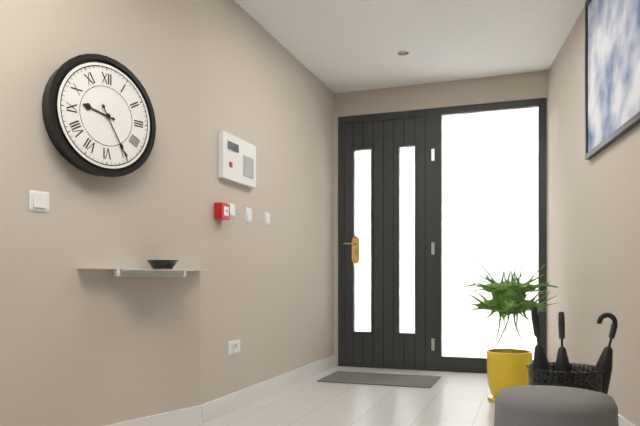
**9:25**
